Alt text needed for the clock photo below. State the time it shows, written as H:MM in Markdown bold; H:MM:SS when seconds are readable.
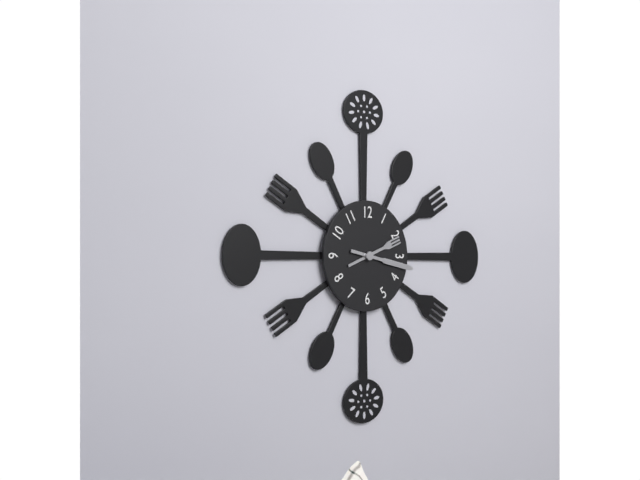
**2:17**
